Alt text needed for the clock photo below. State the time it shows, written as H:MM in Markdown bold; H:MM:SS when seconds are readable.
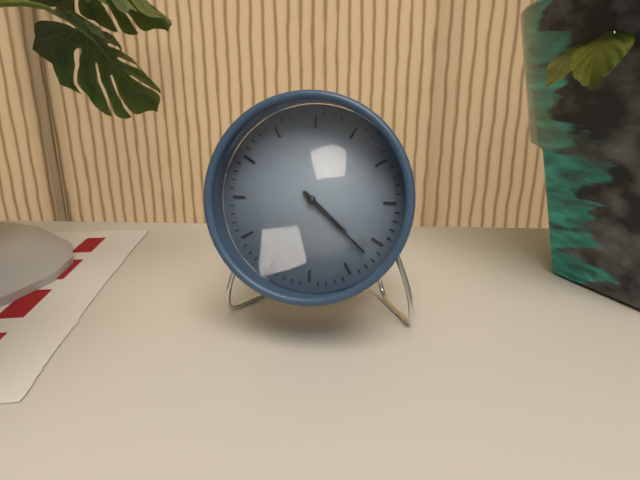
**4:22**
